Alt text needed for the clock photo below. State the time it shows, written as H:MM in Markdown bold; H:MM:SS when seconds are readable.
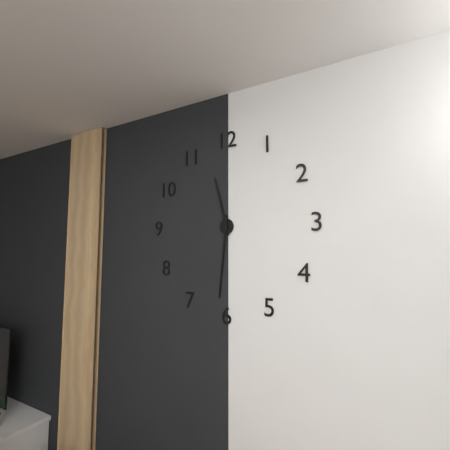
**11:31**
